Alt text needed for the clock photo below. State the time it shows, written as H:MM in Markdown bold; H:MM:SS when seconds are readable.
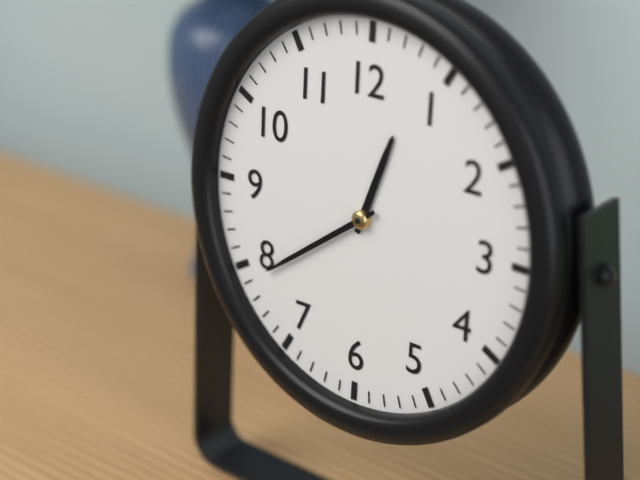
**12:39**
